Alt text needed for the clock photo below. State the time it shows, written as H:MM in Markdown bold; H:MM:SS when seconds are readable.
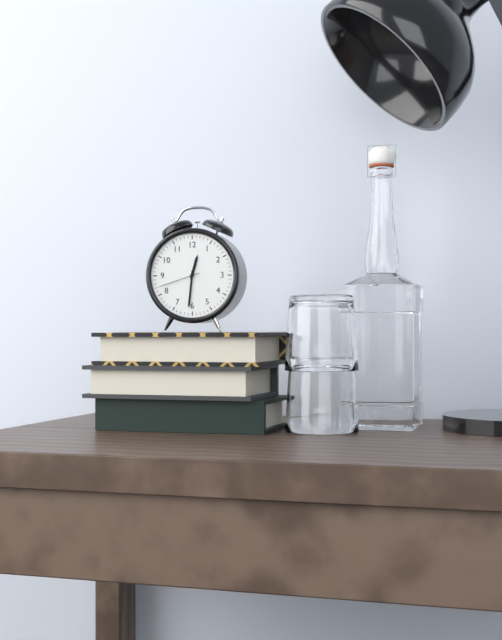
**12:31**
